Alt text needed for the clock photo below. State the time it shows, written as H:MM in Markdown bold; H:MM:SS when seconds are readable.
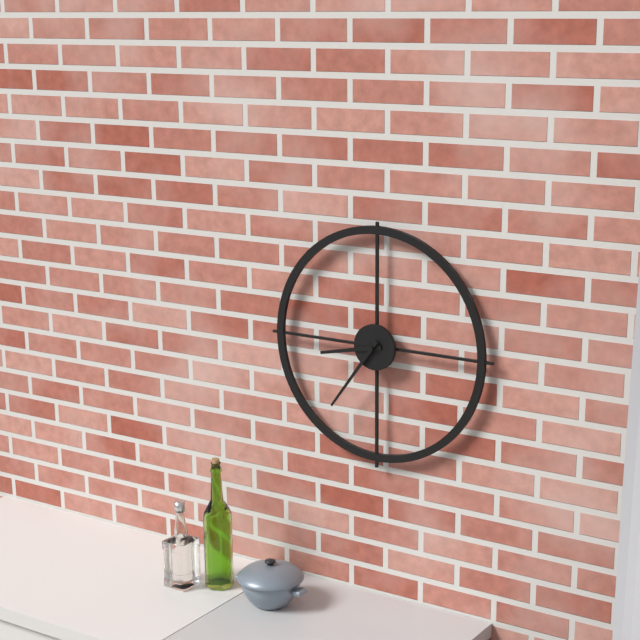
**8:36**
